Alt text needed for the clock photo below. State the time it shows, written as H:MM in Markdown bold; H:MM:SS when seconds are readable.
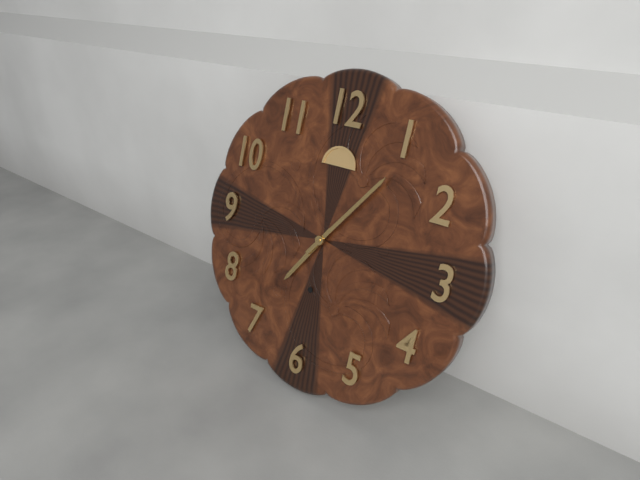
**7:06**
